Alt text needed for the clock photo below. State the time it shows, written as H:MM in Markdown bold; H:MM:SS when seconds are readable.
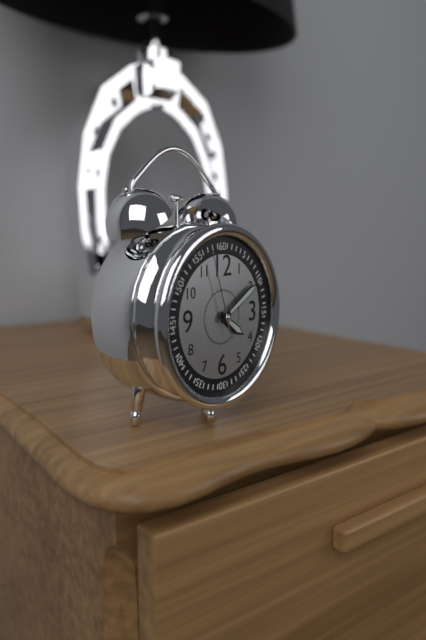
**4:10:57**
